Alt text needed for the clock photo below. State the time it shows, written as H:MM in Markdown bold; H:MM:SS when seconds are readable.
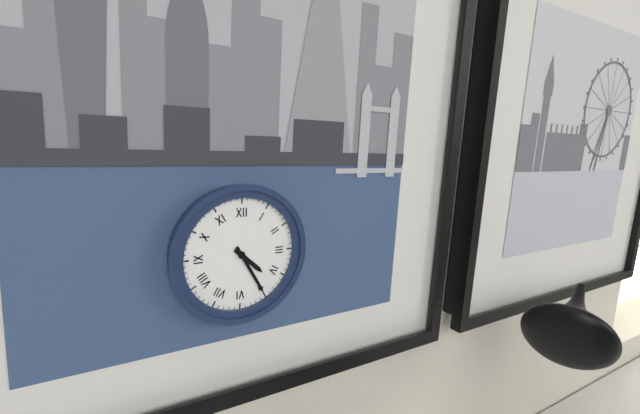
**4:25**
